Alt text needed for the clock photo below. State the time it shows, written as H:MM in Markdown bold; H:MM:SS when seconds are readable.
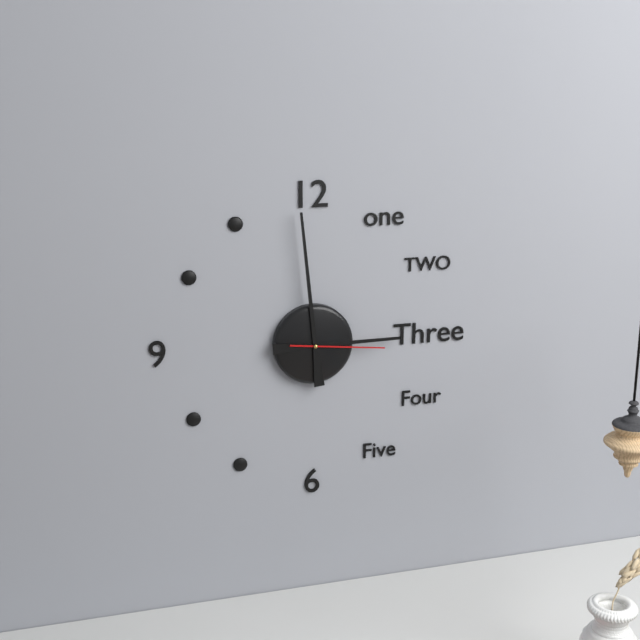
**2:59:16**
